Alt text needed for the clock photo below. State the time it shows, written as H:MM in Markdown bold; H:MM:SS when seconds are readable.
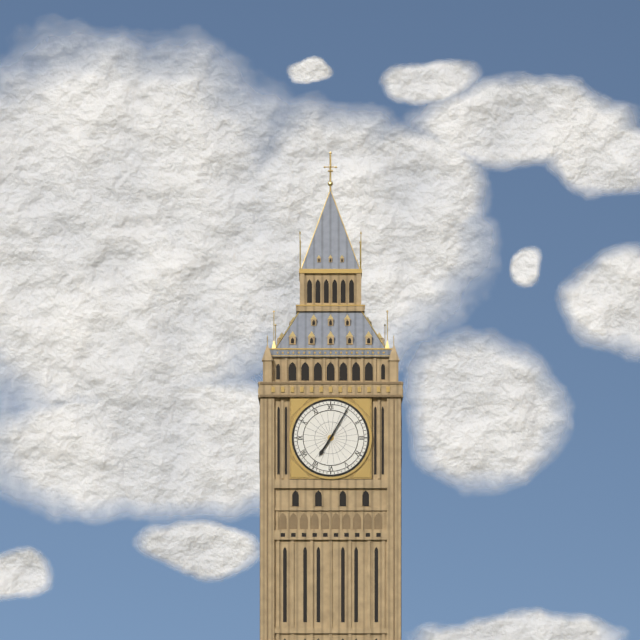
**7:05**
